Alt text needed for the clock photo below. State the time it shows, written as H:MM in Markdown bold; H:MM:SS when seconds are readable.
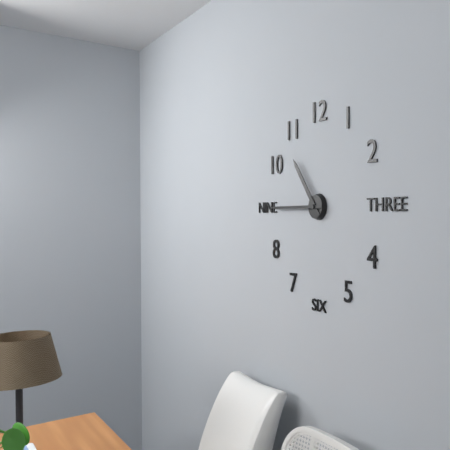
**10:45**
